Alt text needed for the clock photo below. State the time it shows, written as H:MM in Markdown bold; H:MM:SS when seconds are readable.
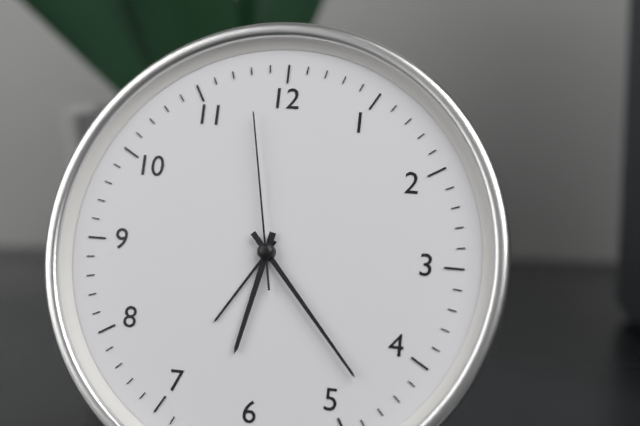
**6:23:58**
